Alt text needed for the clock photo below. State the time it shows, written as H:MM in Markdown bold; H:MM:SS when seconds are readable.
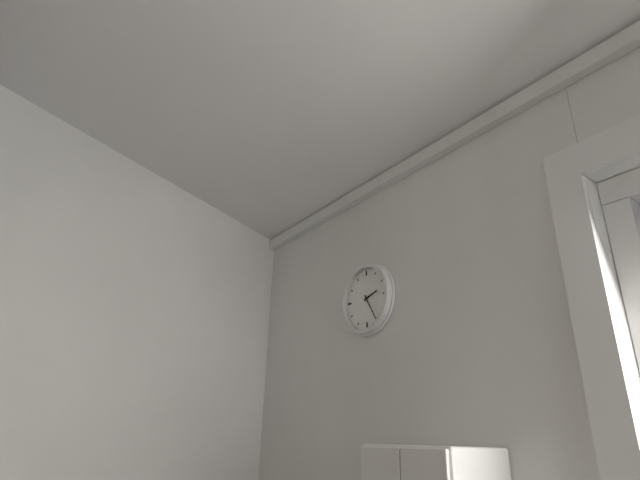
**2:25**
